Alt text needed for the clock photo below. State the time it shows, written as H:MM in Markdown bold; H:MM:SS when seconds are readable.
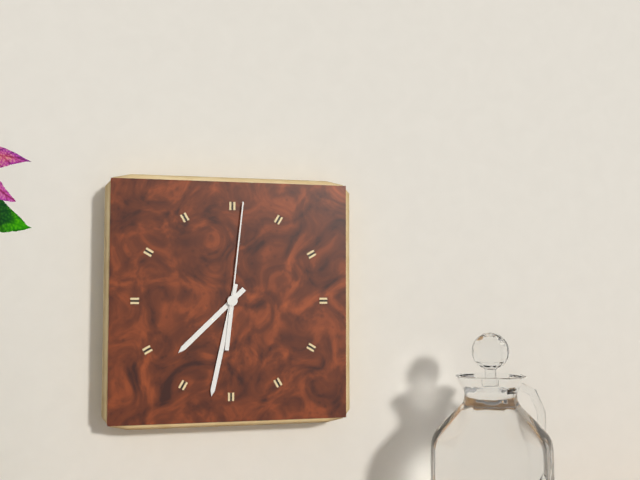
**7:32:01**
